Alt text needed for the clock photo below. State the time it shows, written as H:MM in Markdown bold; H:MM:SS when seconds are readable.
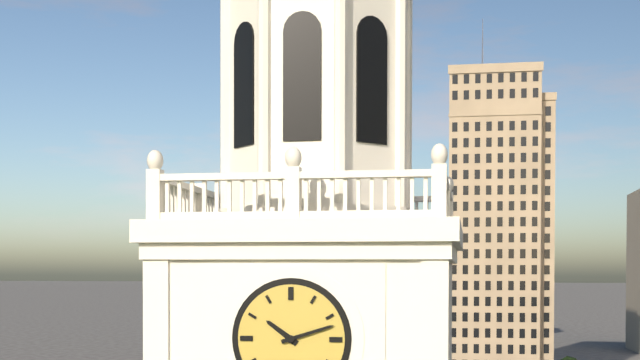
**10:12**
